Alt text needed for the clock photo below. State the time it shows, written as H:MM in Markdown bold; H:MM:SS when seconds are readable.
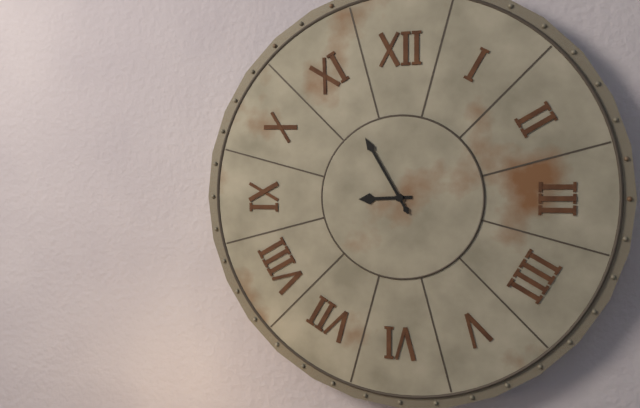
**8:55**
